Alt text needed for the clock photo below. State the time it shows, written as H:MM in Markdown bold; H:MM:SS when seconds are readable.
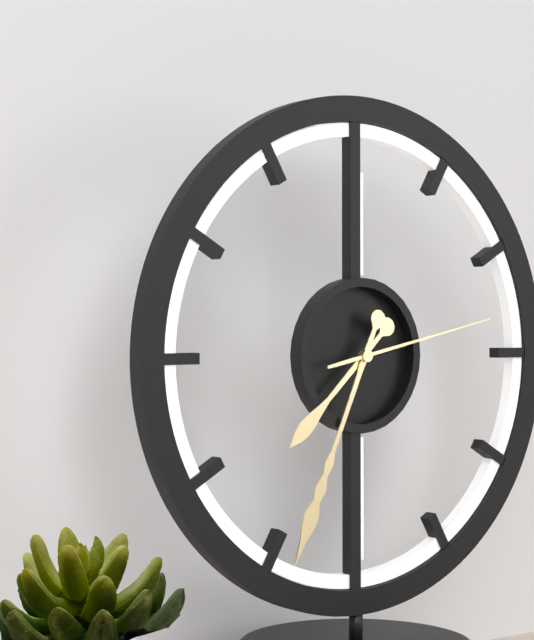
**7:34:13**
